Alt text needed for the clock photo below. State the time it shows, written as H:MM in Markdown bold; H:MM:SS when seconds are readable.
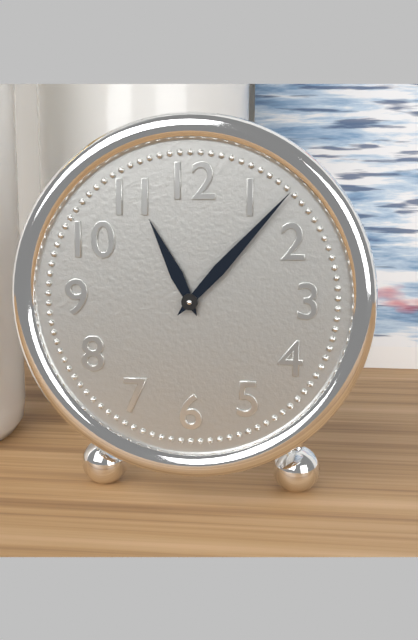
**11:07**
